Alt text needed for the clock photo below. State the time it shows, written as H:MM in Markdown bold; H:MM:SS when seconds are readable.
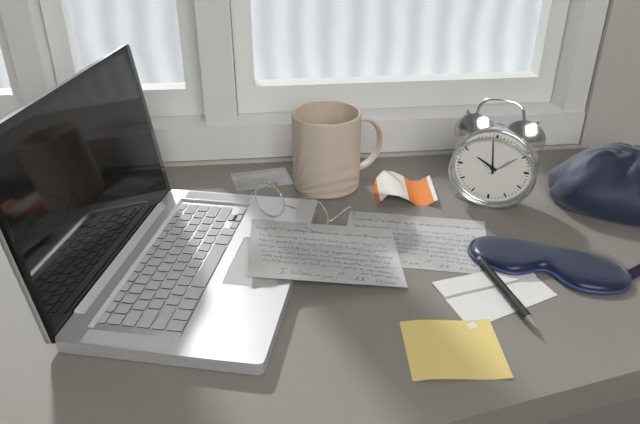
**9:59**
